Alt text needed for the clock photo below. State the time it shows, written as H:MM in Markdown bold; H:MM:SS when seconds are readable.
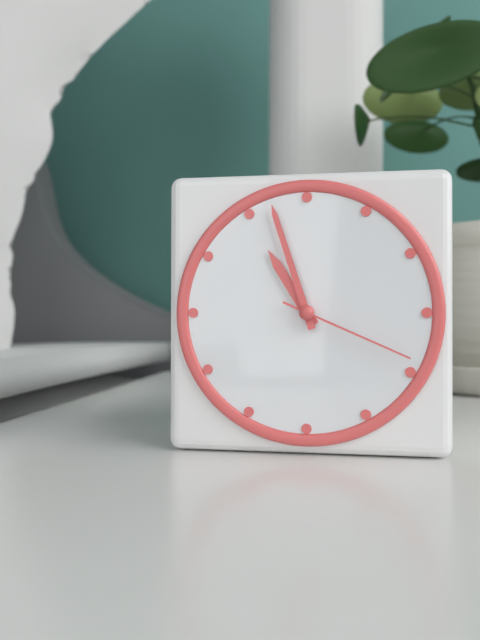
**10:57:19**
